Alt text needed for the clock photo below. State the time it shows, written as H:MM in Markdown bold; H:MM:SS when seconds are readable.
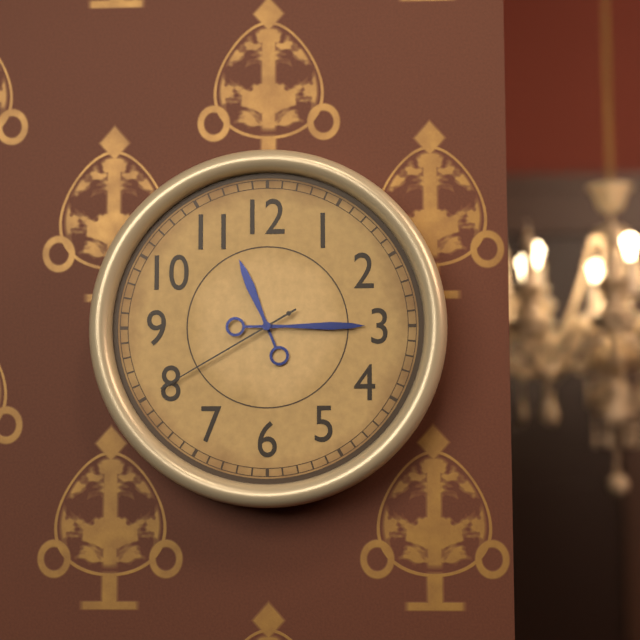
**11:15:40**
